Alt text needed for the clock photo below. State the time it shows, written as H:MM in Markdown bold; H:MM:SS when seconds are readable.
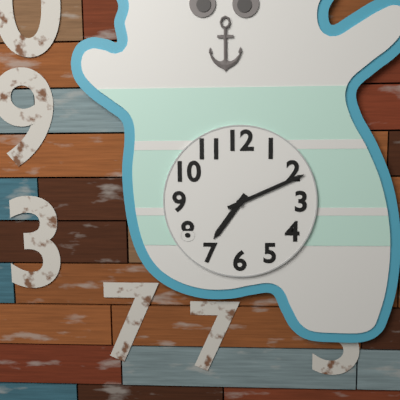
**7:11**
